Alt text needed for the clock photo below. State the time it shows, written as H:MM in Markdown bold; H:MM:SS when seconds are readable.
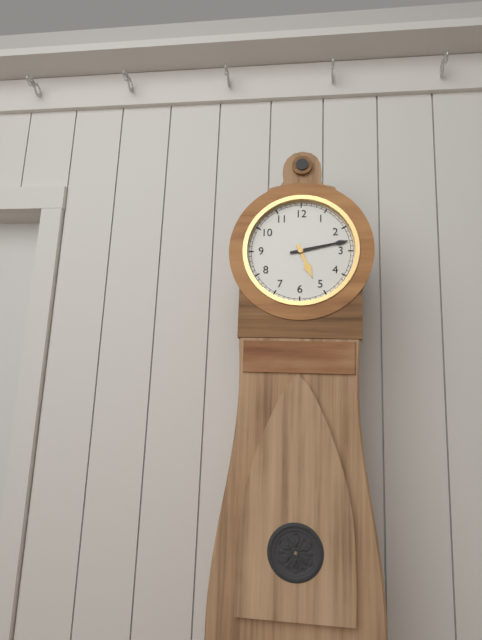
**5:13**
